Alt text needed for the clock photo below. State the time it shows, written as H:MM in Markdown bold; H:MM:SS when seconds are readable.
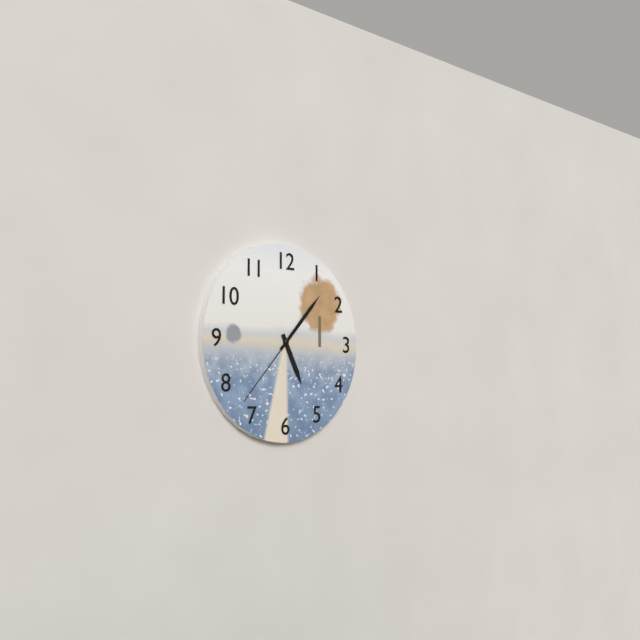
**5:07:37**
